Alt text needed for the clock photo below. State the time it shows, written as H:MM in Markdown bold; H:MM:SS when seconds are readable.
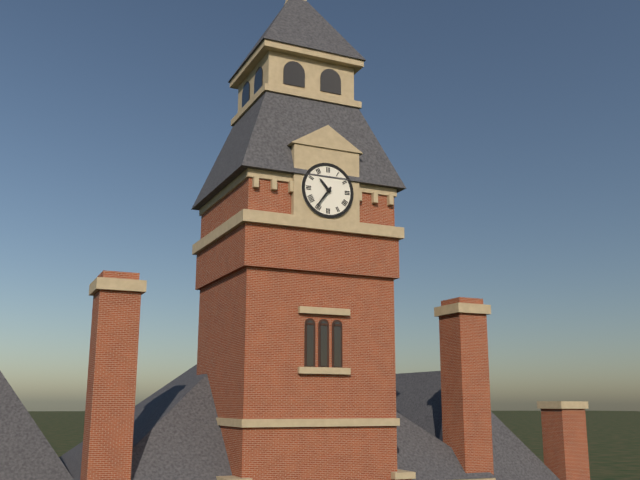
**10:36**
